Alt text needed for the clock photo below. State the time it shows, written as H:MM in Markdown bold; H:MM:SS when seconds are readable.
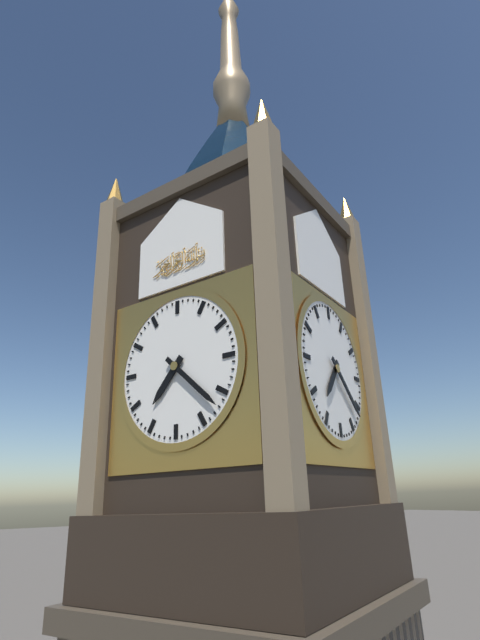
**7:22**
